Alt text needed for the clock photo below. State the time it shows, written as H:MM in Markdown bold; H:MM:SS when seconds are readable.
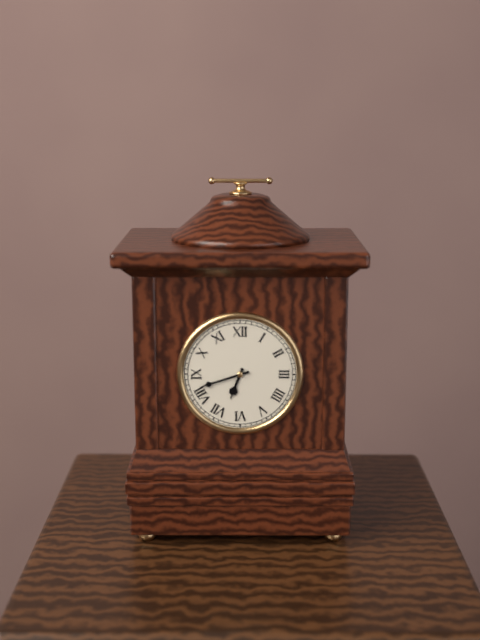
**6:42**
